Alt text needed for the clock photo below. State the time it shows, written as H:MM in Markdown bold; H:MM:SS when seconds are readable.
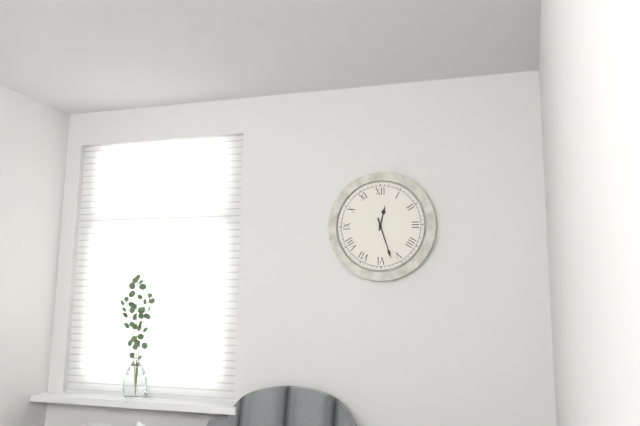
**12:27**
